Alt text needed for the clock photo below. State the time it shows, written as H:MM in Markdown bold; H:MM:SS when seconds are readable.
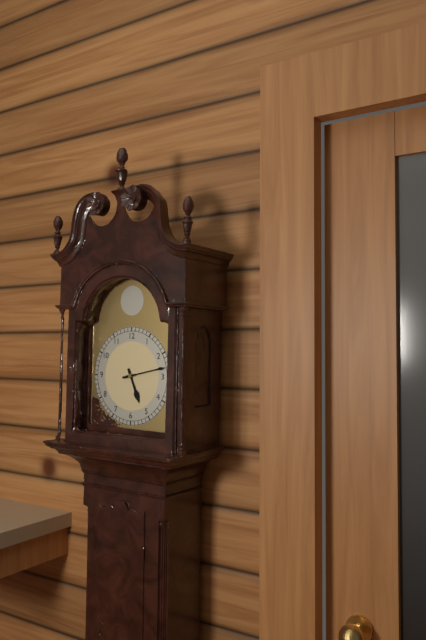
**5:13**
